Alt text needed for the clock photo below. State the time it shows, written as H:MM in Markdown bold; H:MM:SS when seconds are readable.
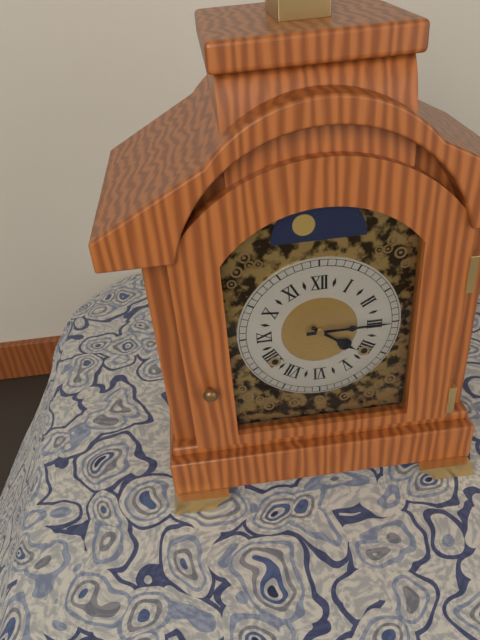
**4:15**
